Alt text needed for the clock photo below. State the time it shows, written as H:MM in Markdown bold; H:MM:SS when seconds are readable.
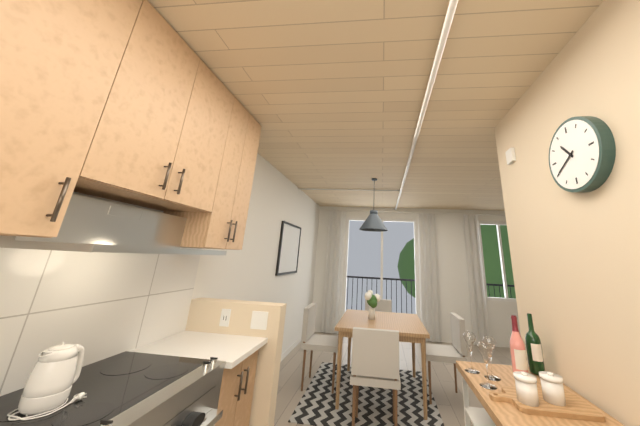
**10:40**
